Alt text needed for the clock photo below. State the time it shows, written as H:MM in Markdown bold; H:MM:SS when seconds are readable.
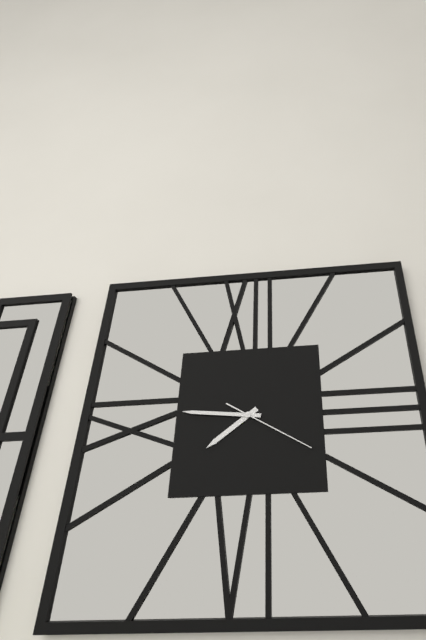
**7:46:20**
